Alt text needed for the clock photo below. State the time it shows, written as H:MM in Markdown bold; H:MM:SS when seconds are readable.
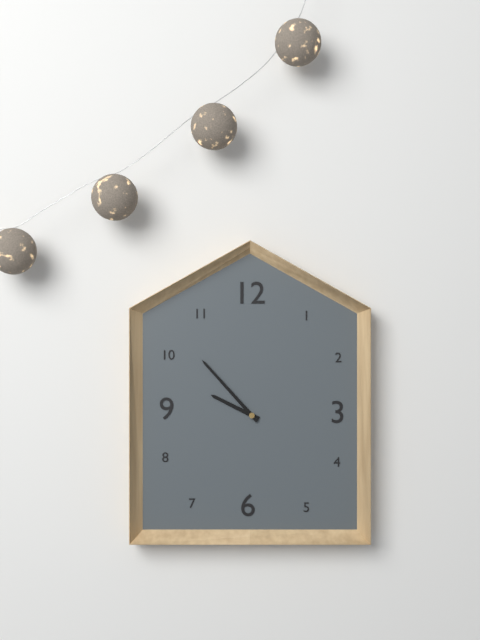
**9:53**
